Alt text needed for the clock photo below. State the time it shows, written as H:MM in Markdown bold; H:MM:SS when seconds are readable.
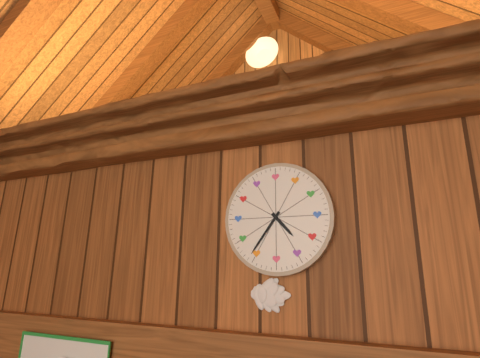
**4:36**
